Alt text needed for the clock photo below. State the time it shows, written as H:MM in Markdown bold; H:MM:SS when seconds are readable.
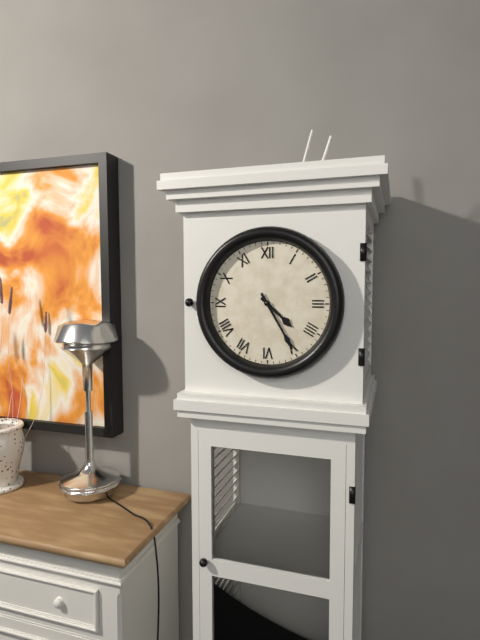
**4:25**
